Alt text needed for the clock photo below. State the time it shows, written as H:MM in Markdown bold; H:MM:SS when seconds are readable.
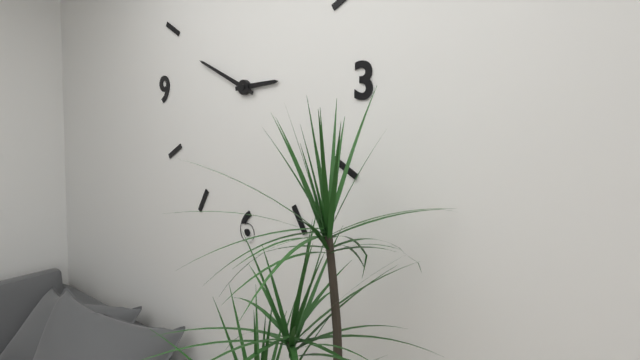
**2:49**
